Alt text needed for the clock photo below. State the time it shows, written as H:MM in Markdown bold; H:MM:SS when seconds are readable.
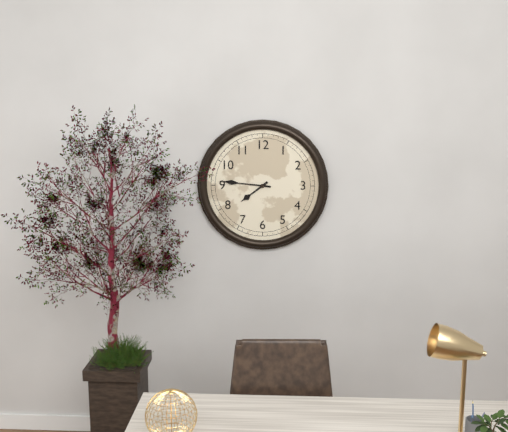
**7:46**
